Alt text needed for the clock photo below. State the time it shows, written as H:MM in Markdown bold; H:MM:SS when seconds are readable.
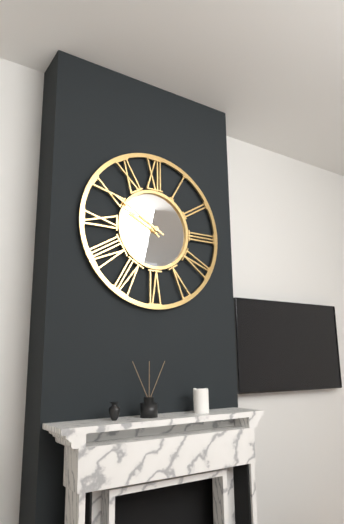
**9:50**
